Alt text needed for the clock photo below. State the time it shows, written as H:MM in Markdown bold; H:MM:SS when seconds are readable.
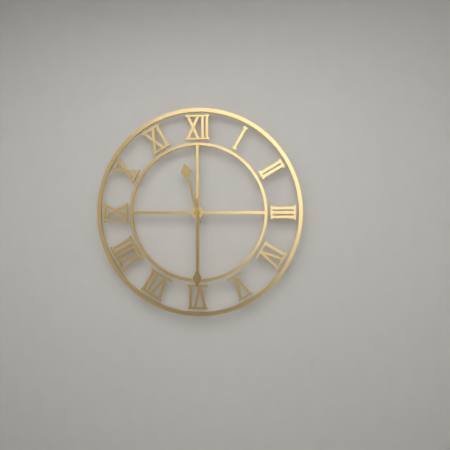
**11:30**
